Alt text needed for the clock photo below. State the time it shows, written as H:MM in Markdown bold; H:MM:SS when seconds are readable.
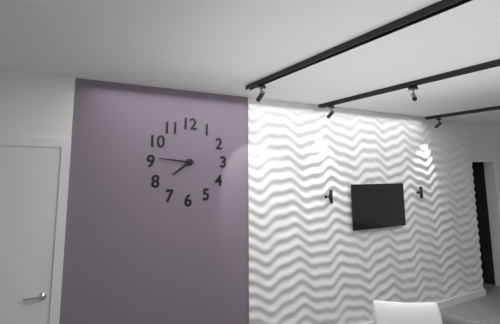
**7:46**
